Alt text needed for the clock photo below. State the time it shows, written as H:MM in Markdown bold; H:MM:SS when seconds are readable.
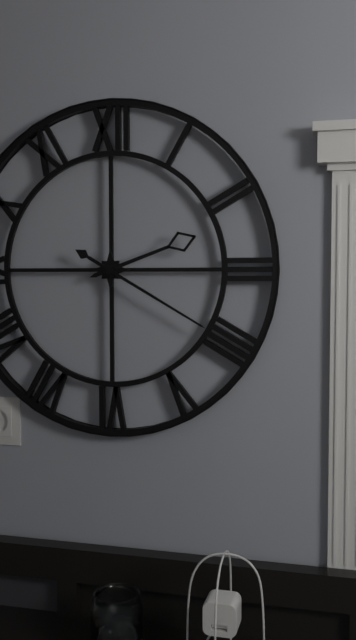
**2:20**
